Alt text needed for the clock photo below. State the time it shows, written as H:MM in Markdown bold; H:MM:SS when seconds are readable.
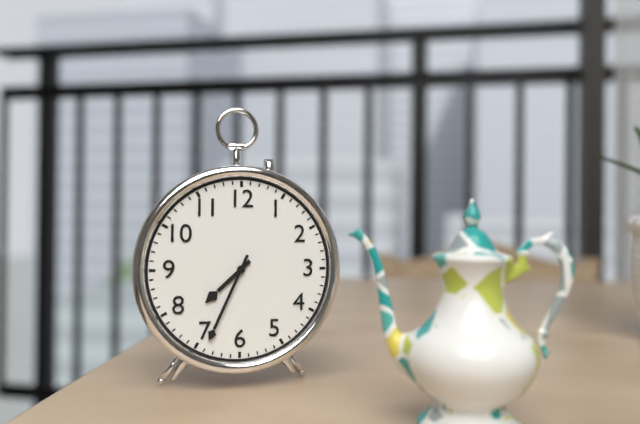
**7:34**
